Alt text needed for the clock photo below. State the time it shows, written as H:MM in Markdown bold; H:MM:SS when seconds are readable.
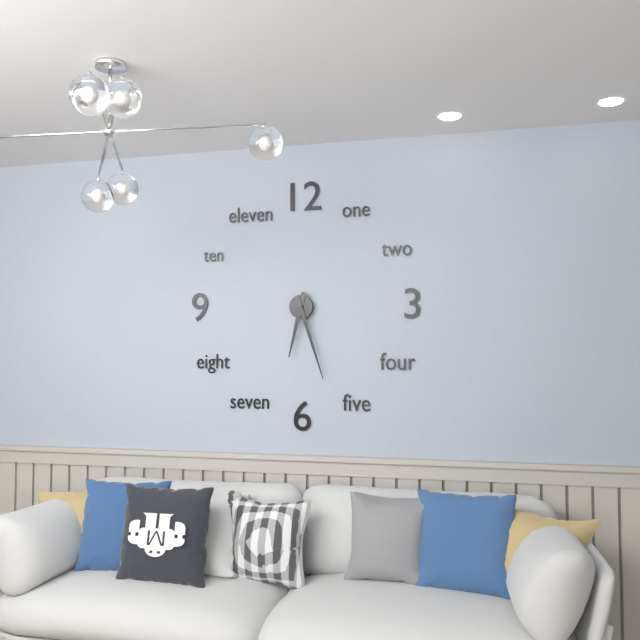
**6:27**
